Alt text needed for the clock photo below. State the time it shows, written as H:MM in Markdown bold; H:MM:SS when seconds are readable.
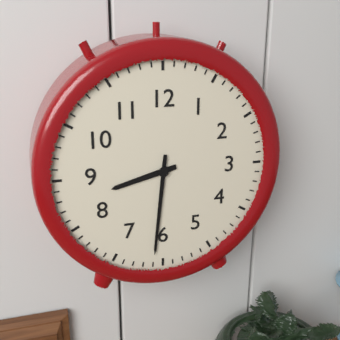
**8:31**
